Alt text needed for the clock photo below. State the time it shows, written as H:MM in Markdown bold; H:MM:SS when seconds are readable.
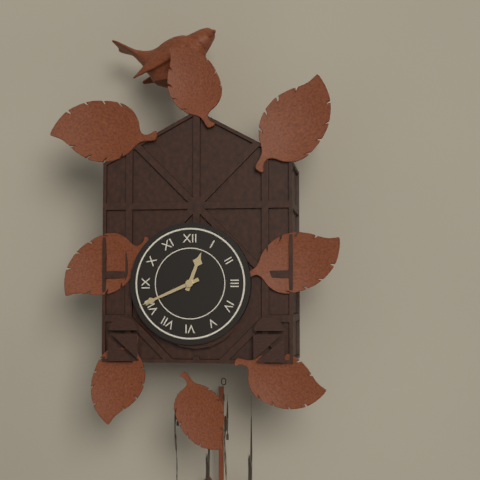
**12:41**
